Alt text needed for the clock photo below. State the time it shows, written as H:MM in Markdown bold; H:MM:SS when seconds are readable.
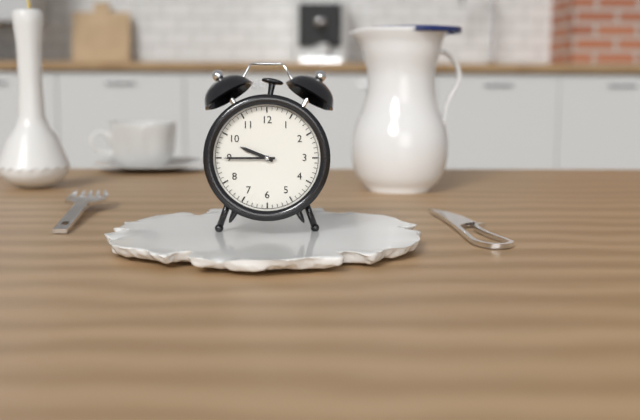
**9:45**
